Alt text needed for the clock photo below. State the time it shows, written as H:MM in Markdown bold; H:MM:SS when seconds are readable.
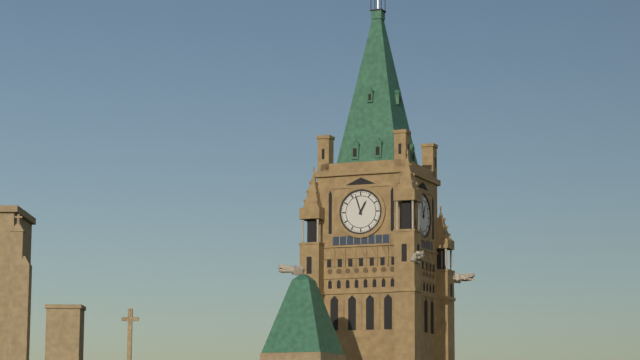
**12:57**
